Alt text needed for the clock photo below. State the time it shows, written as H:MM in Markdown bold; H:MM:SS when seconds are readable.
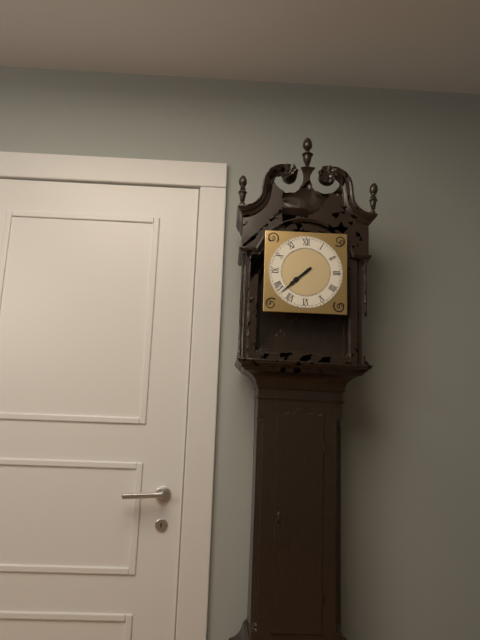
**7:38**
